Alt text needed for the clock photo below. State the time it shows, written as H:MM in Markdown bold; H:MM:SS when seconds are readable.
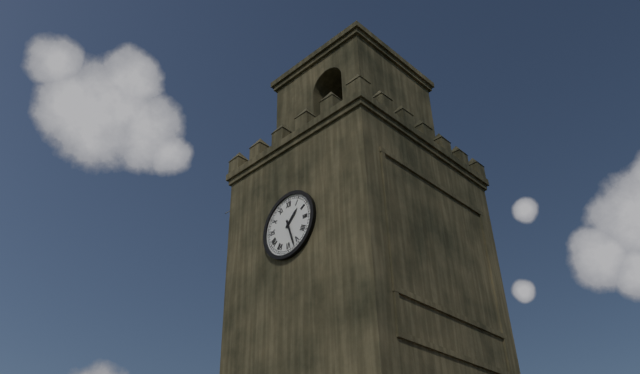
**1:27**
